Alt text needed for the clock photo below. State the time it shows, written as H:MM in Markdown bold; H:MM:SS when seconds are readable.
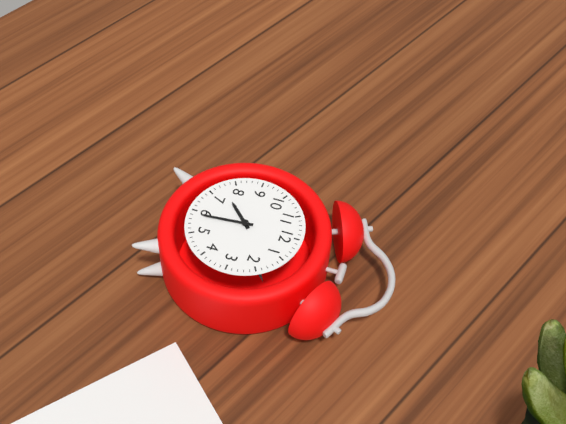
**7:29**
